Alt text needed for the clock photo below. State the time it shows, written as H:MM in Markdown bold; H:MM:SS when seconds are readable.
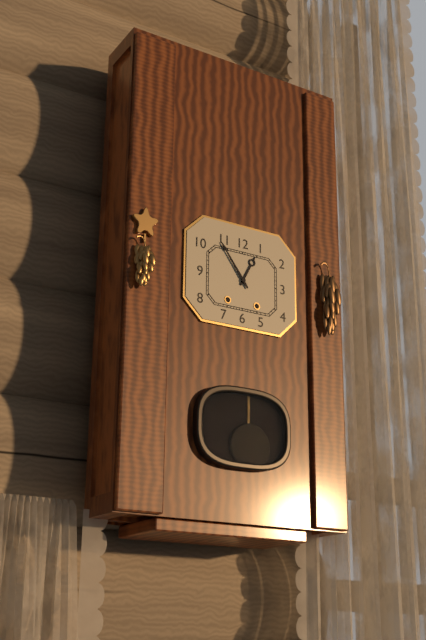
**12:54**
